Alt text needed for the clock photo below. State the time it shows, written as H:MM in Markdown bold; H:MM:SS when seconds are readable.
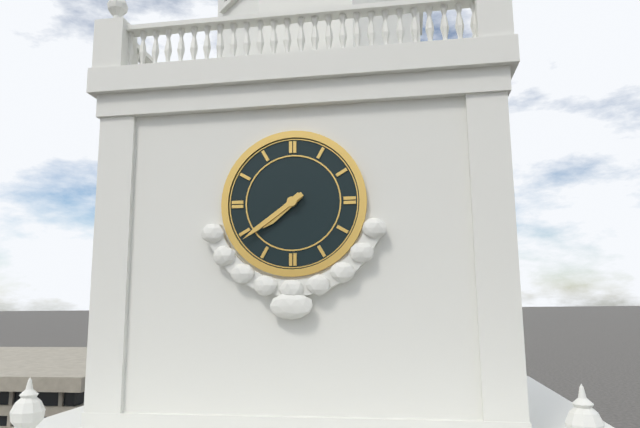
**7:39**
